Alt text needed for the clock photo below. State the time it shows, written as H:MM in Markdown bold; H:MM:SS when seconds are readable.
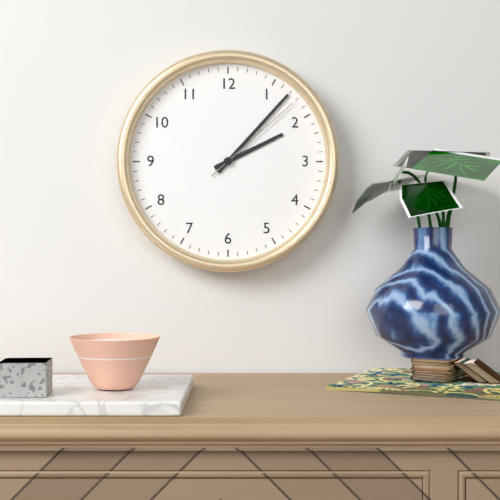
**2:07:08**
